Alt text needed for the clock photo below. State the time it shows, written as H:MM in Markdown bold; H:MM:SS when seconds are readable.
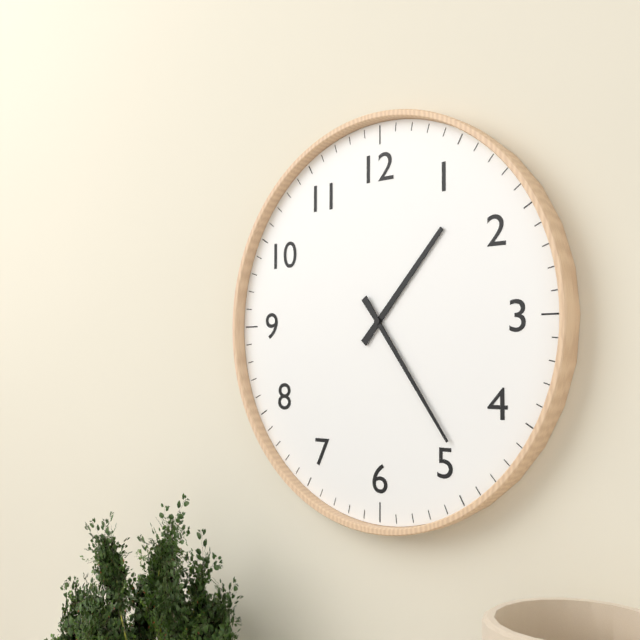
**1:24**
